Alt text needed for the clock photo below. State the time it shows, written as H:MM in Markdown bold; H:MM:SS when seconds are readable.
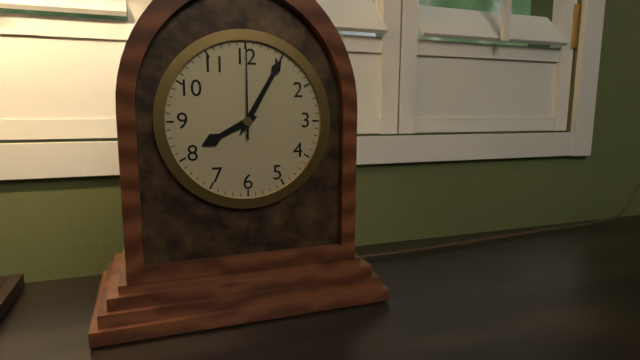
**8:05:00**
